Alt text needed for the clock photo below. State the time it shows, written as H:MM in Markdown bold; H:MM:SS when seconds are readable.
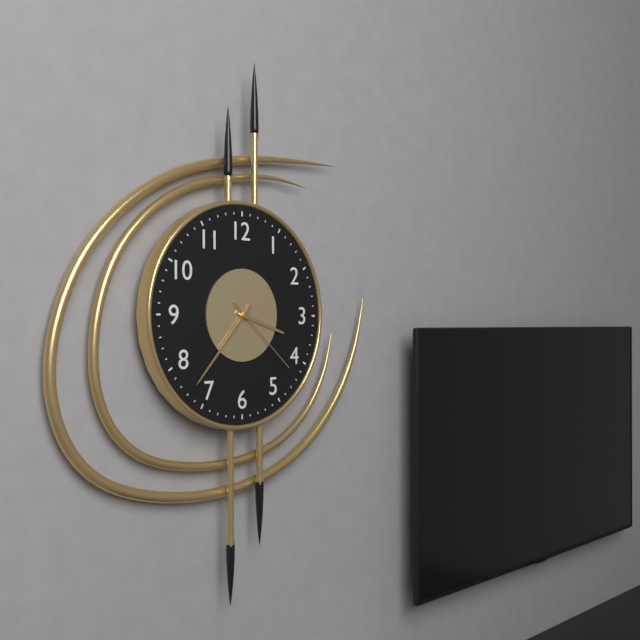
**3:37:22**
